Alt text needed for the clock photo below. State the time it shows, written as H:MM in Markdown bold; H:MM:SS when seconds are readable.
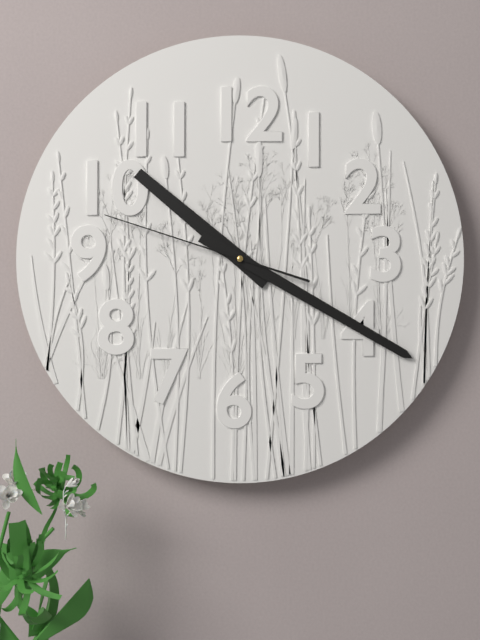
**10:20:48**
